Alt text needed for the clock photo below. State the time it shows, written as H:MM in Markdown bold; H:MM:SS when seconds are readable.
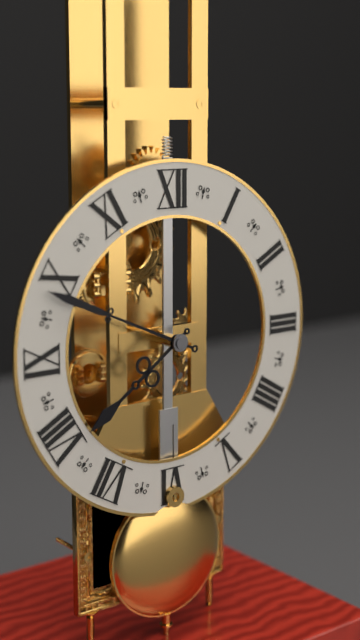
**7:49**
